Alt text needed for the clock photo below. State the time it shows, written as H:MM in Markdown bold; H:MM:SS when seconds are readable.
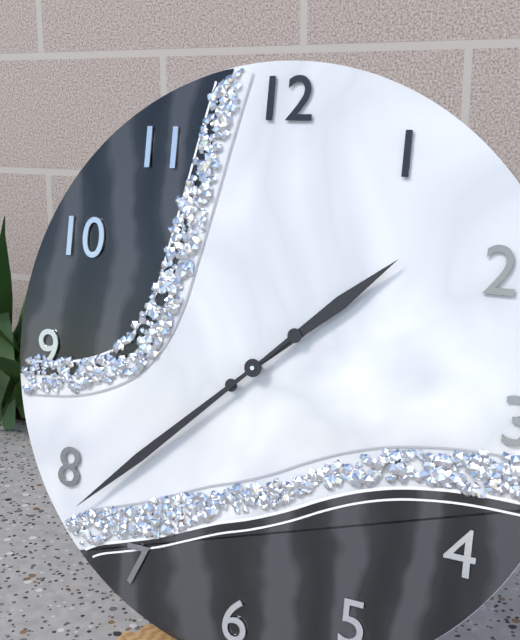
**1:38**
